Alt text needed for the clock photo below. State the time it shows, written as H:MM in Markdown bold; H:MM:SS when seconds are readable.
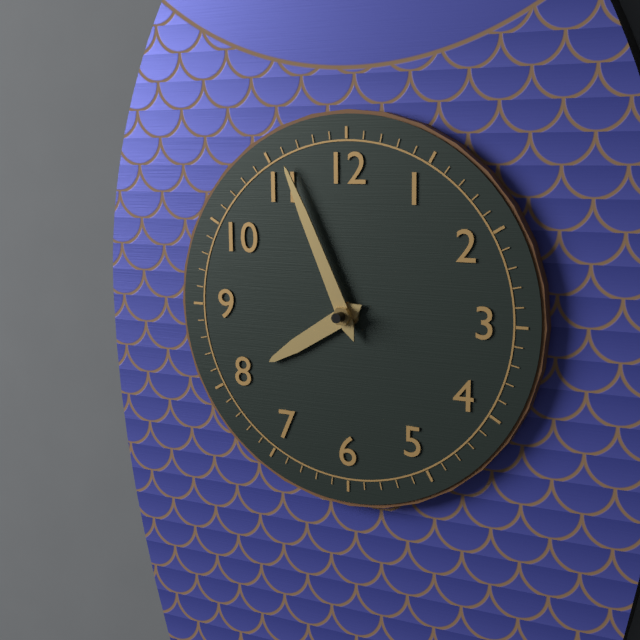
**7:56**
